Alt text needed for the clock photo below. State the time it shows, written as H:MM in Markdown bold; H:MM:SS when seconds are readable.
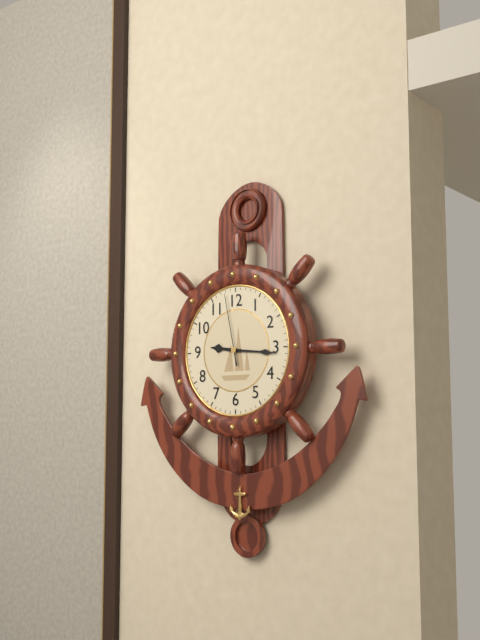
**9:16:58**
